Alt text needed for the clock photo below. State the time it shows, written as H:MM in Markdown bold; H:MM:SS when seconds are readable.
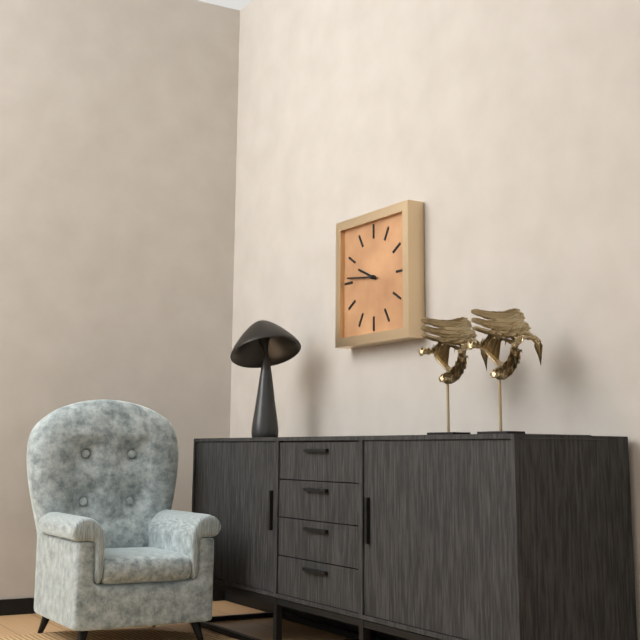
**9:46**
